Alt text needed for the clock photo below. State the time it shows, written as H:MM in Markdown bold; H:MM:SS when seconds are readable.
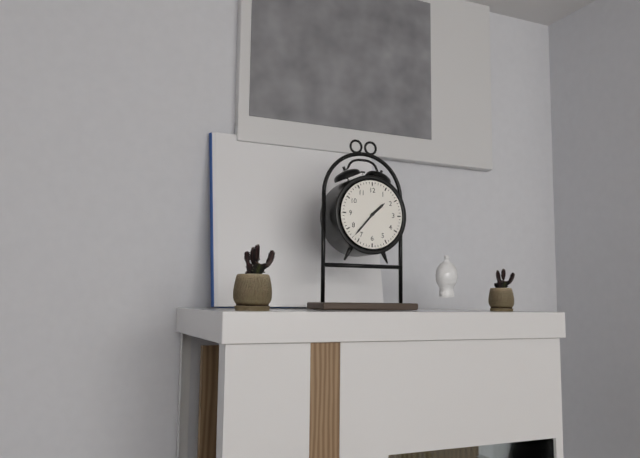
**1:37**
